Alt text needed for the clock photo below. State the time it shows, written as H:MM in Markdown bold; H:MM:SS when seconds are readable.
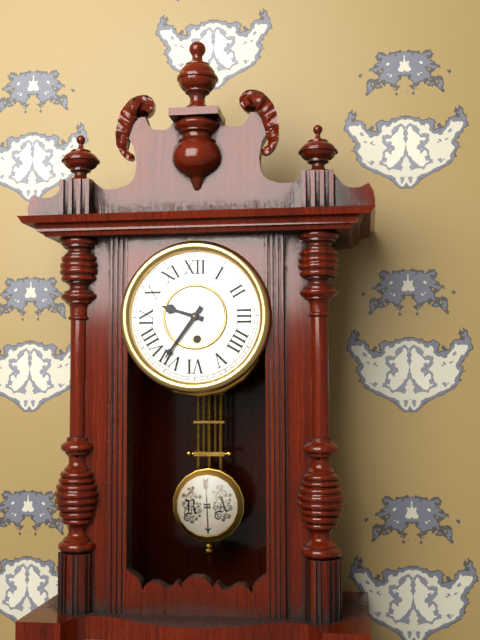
**9:36**
